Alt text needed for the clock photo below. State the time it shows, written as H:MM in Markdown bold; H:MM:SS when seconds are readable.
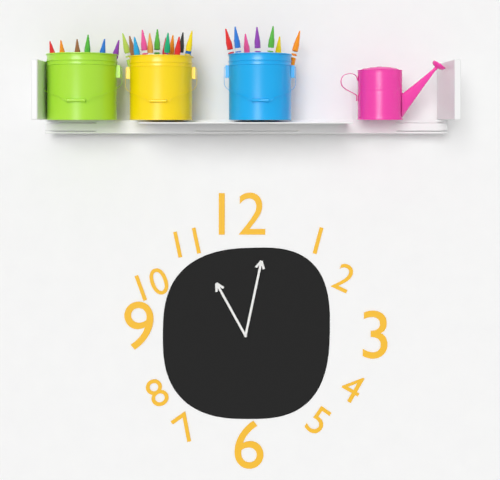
**11:02**
